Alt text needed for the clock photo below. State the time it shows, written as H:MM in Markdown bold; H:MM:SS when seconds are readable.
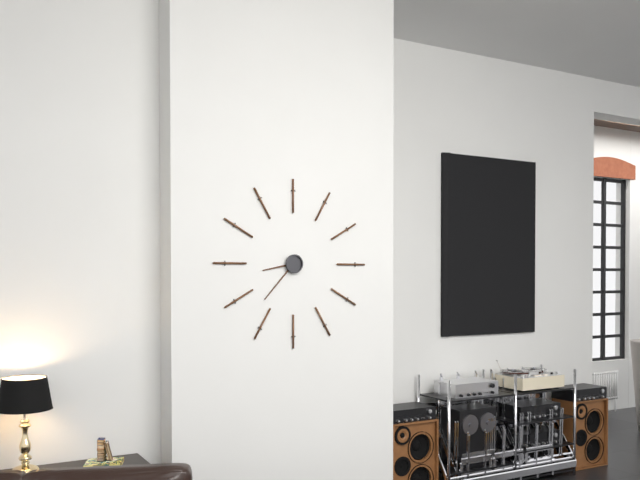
**8:37**
